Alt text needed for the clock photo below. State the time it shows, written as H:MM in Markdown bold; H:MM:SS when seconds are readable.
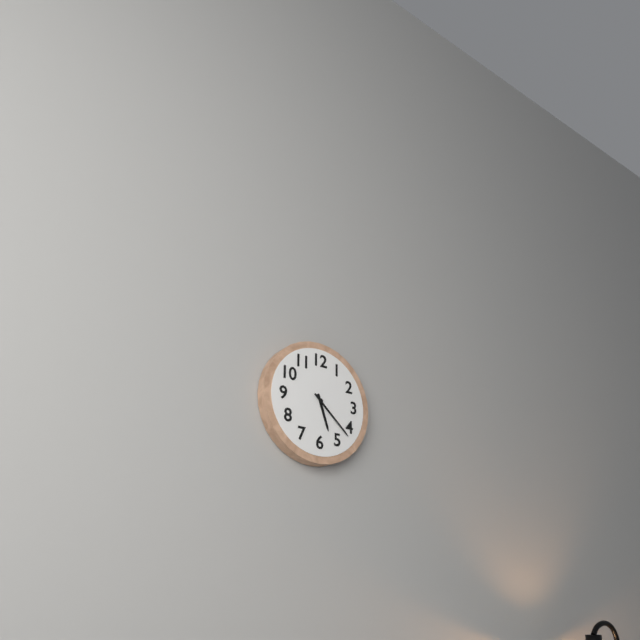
**5:22**
